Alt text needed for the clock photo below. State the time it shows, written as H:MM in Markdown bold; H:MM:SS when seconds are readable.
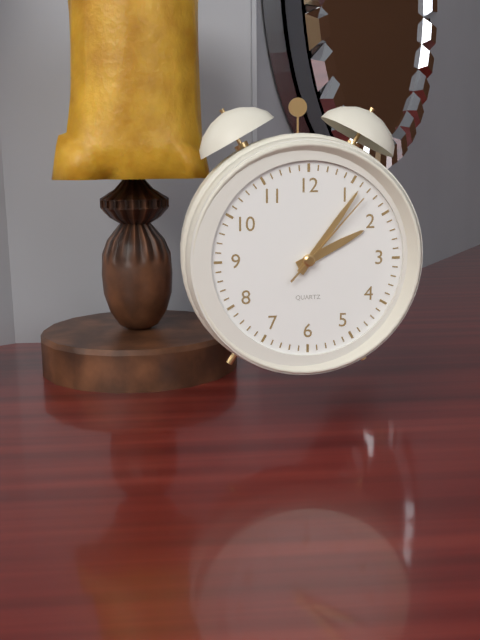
**2:06:07**
